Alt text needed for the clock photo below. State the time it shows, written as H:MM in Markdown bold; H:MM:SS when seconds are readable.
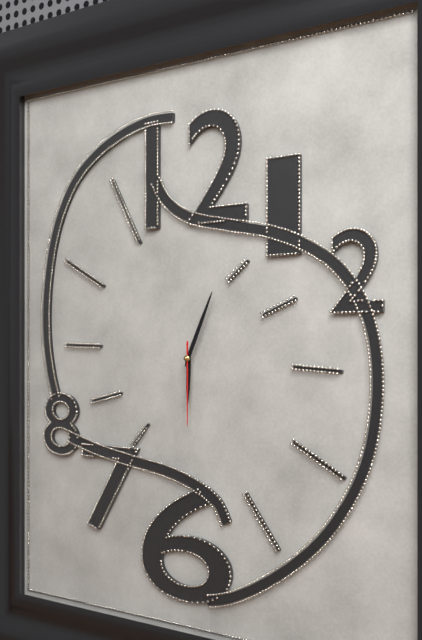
**6:04:30**
